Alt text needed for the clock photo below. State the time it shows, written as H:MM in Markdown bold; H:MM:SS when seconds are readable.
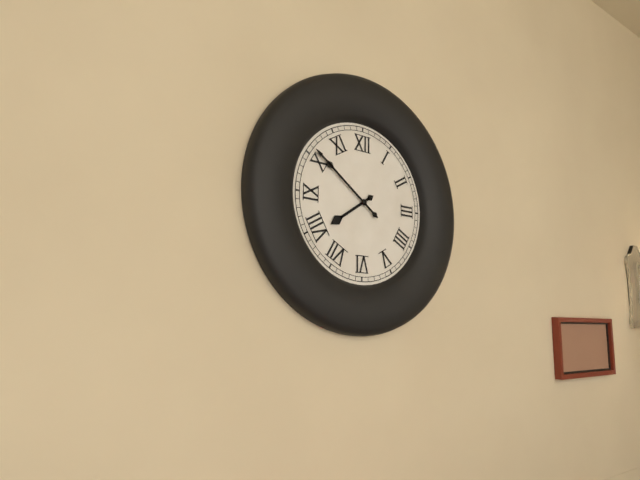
**7:51**
